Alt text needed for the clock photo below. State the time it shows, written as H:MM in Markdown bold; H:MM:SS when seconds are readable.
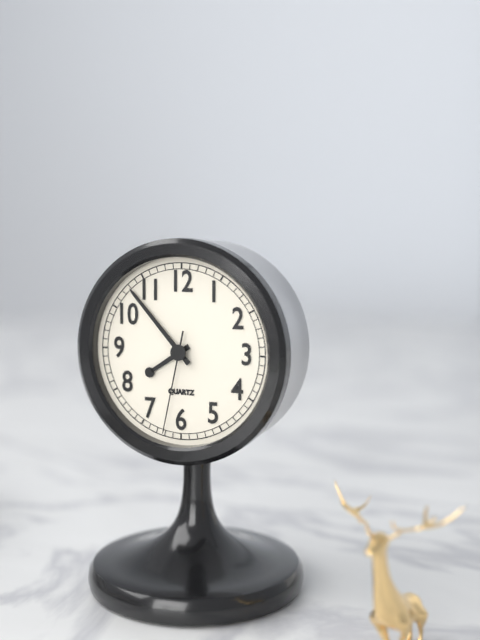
**7:53:32**
